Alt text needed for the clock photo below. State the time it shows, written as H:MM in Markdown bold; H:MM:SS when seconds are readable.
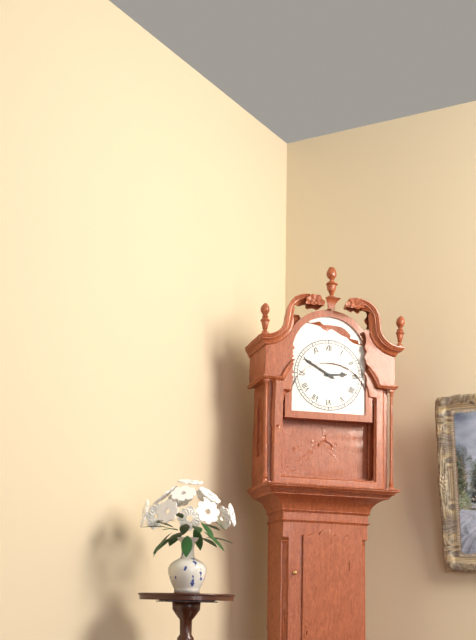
**2:50**
